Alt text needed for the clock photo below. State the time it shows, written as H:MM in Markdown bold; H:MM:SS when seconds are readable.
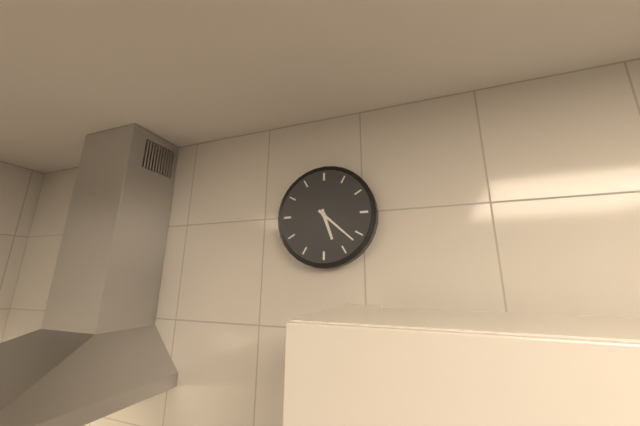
**5:22**
